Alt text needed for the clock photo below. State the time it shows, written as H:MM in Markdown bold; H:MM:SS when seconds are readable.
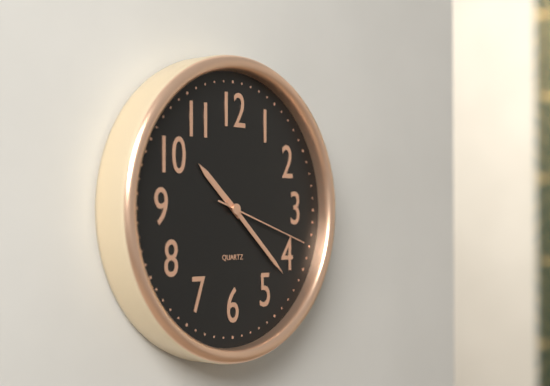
**10:22:18**
